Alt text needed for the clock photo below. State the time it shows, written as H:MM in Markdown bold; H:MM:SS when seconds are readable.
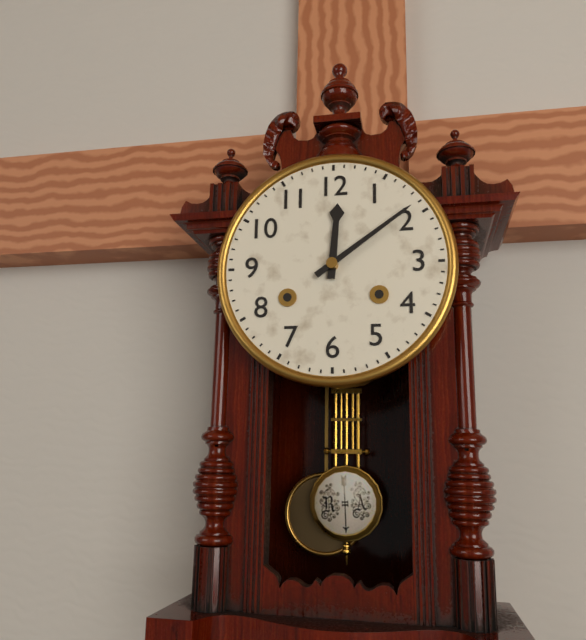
**12:09**
